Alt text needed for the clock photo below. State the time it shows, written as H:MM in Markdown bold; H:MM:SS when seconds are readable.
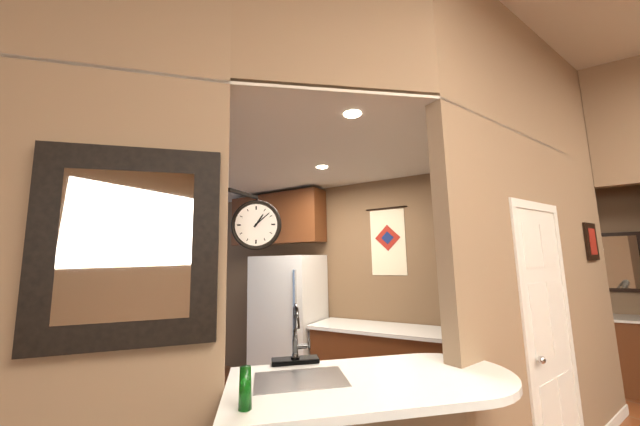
**1:08**
